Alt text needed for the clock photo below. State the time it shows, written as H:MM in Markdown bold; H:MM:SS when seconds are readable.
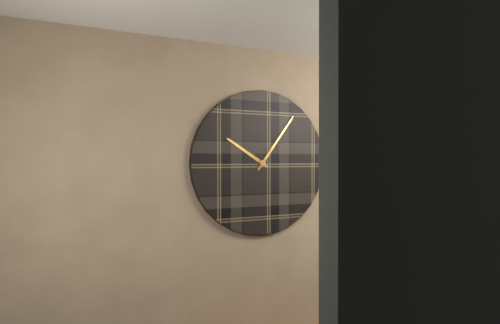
**10:06**
